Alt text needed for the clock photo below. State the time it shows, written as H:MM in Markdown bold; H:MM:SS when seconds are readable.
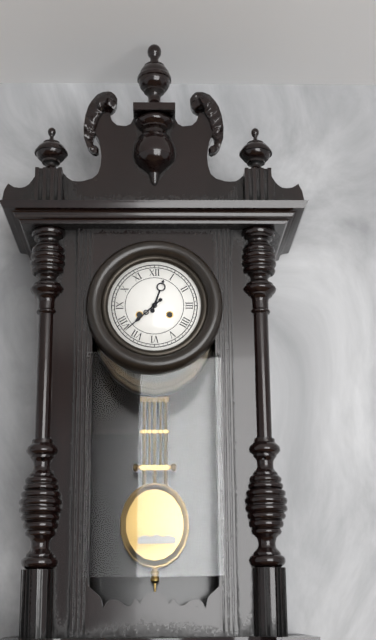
**12:38**
